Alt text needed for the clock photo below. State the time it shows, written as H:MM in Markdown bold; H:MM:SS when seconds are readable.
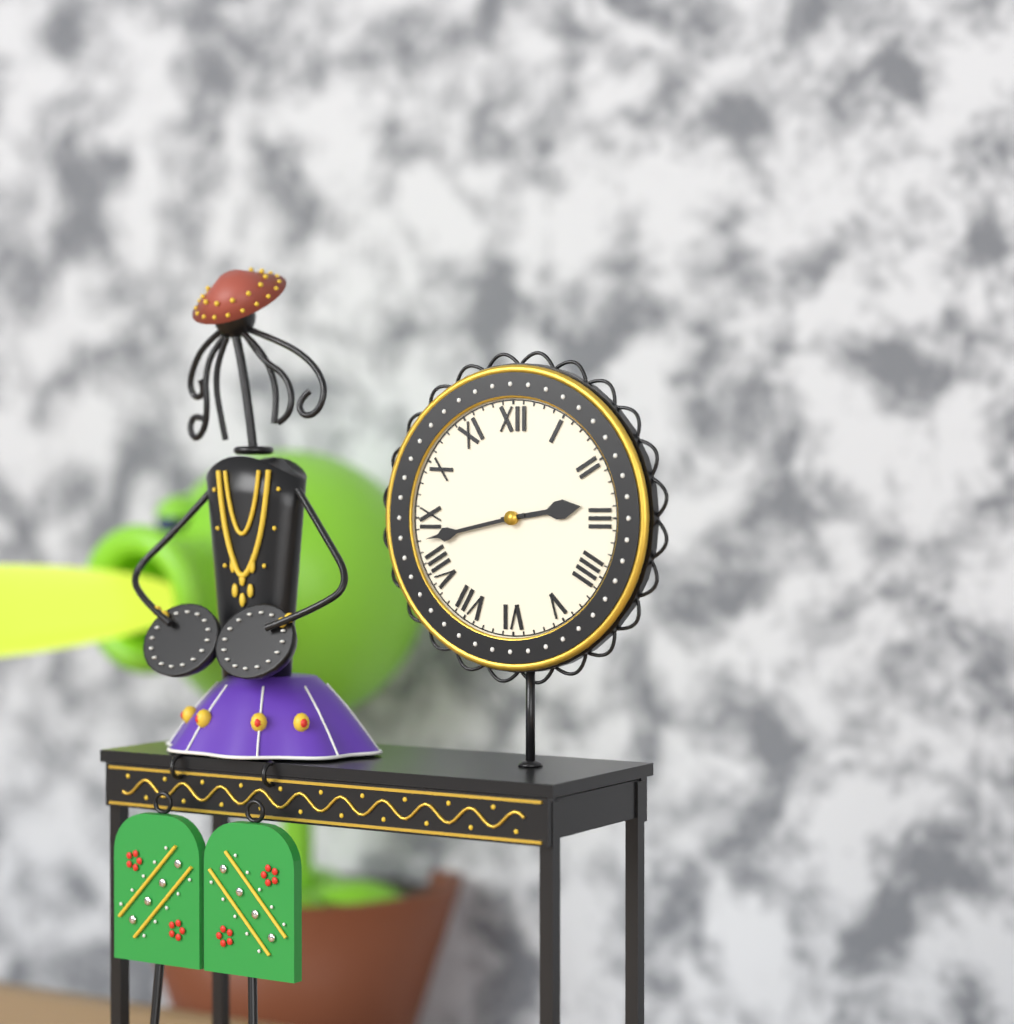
**2:43**
